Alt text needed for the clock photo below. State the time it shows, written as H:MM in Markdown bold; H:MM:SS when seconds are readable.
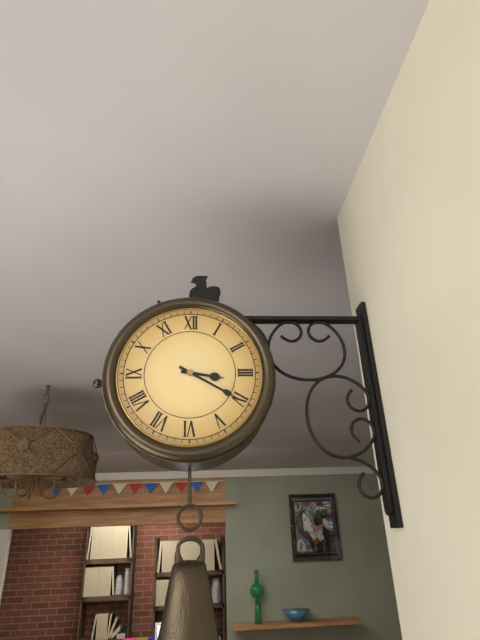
**3:20**
